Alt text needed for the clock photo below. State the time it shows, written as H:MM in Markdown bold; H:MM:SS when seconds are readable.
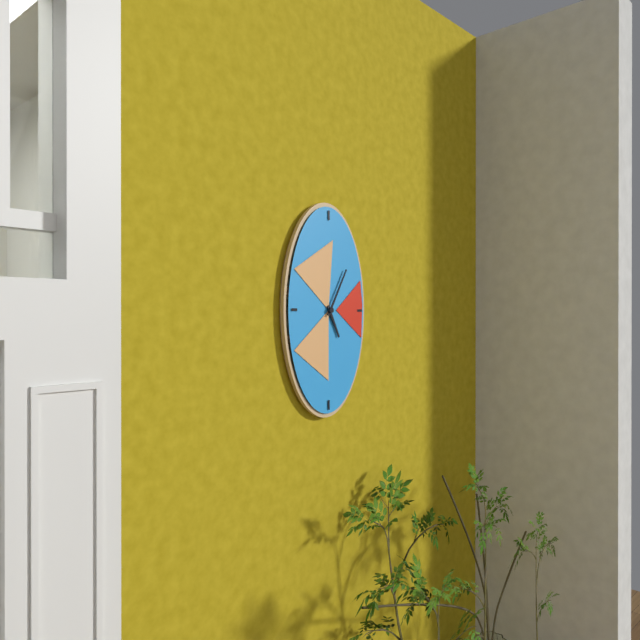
**5:05**
